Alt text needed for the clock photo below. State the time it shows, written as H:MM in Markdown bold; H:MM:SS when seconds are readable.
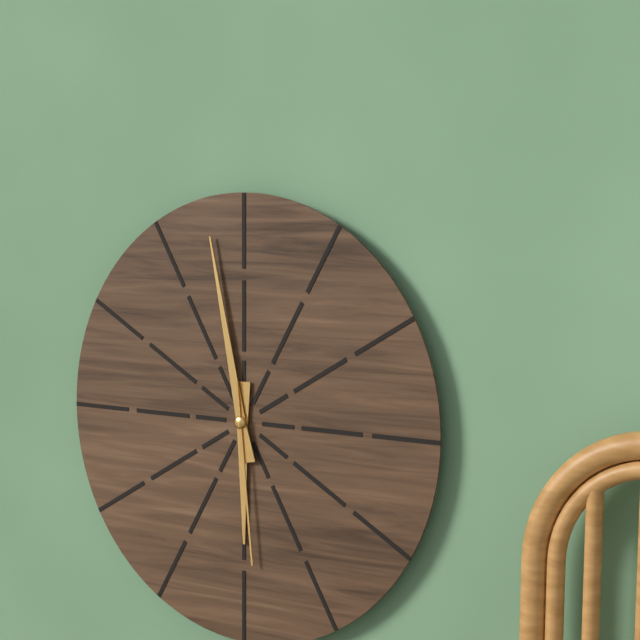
**5:58:29**
